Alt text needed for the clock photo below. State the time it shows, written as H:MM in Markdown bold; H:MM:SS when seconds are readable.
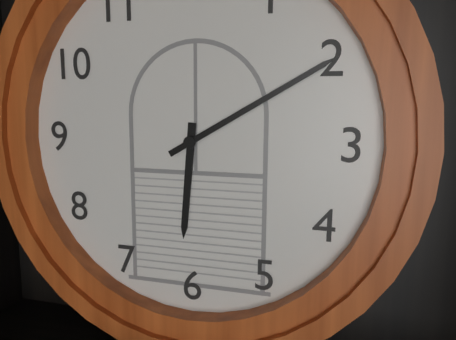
**6:10**
